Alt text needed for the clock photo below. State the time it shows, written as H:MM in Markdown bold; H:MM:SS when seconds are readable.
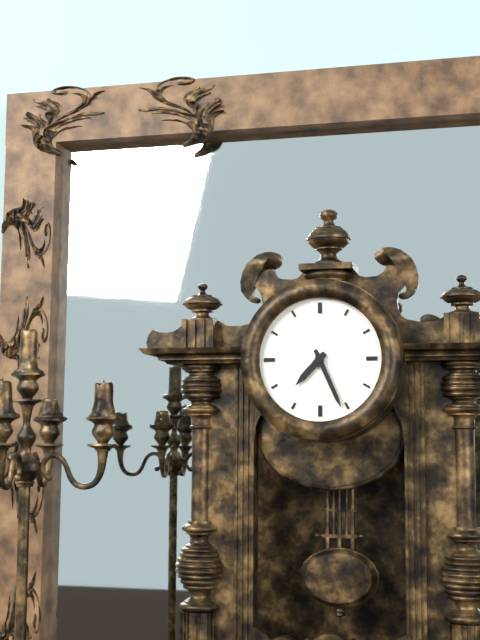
**7:26**
